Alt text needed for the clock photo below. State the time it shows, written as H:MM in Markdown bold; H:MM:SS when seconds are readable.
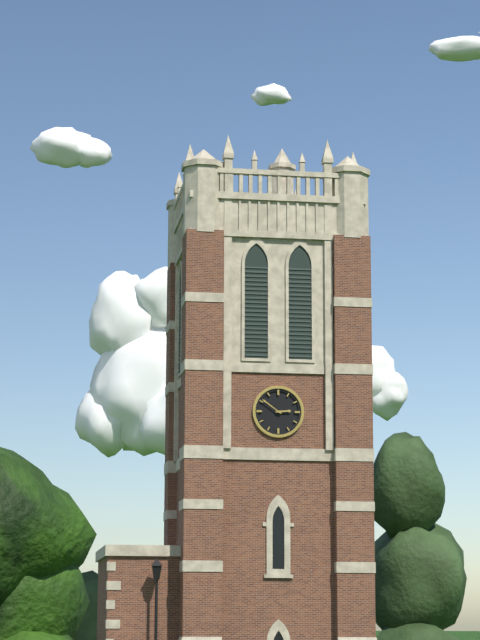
**2:51**
